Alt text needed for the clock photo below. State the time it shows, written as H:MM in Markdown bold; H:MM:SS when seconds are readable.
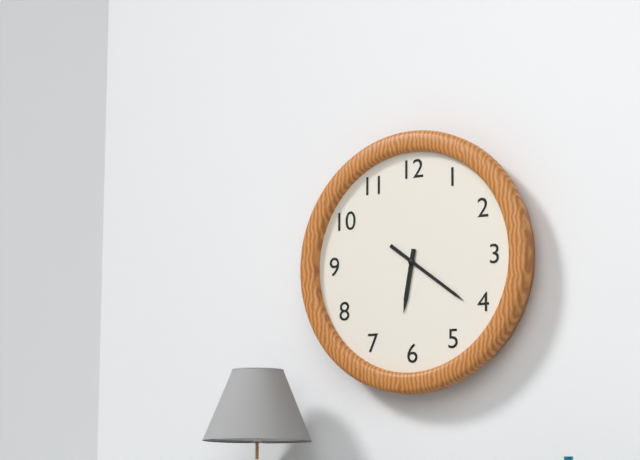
**6:21**
